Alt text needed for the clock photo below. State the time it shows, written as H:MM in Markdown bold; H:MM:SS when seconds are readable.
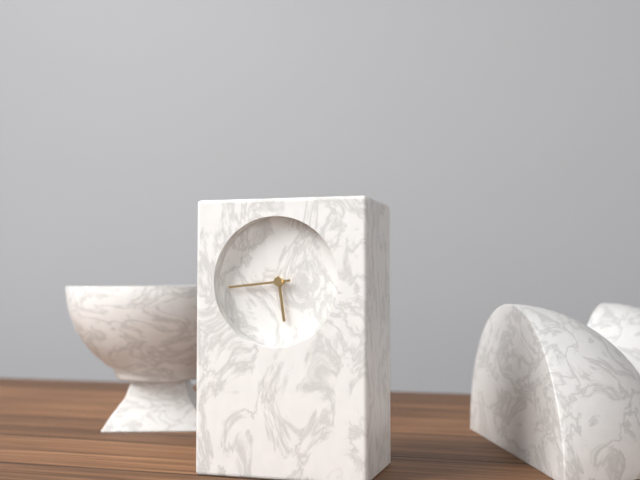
**5:44**
